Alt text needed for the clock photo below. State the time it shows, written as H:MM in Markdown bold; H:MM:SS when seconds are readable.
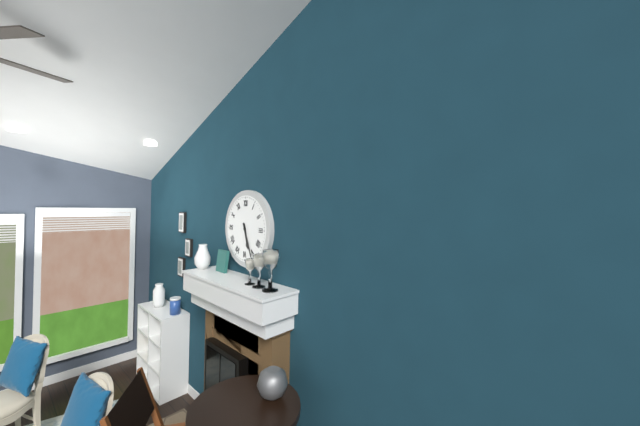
**5:26**
